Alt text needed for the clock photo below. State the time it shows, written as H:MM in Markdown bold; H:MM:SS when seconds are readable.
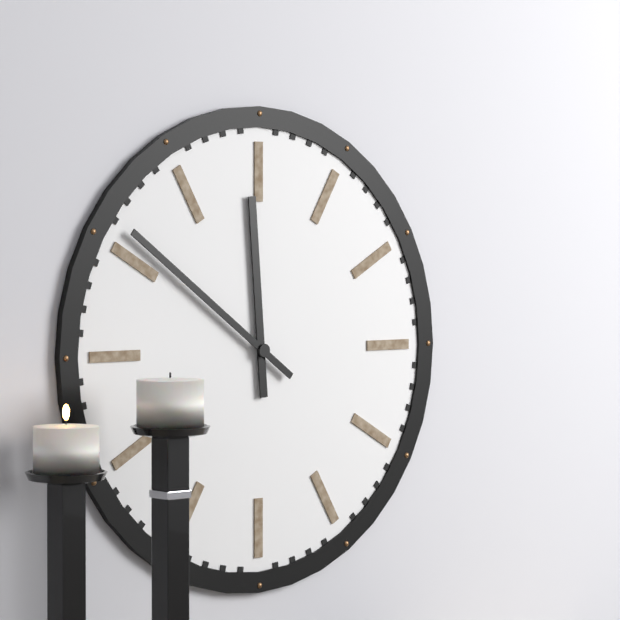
**11:51**
